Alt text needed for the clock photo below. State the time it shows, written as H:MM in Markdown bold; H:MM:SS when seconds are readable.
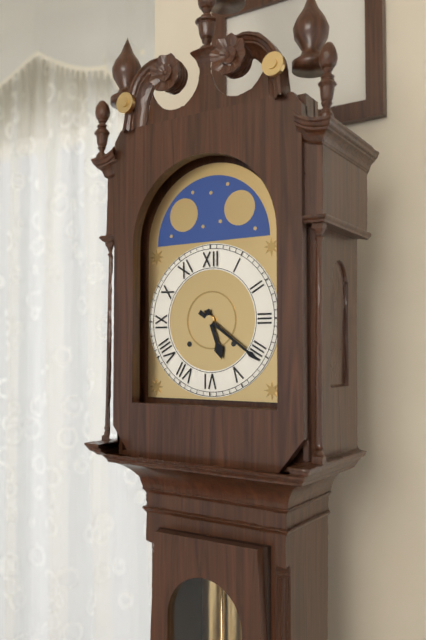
**5:21**
